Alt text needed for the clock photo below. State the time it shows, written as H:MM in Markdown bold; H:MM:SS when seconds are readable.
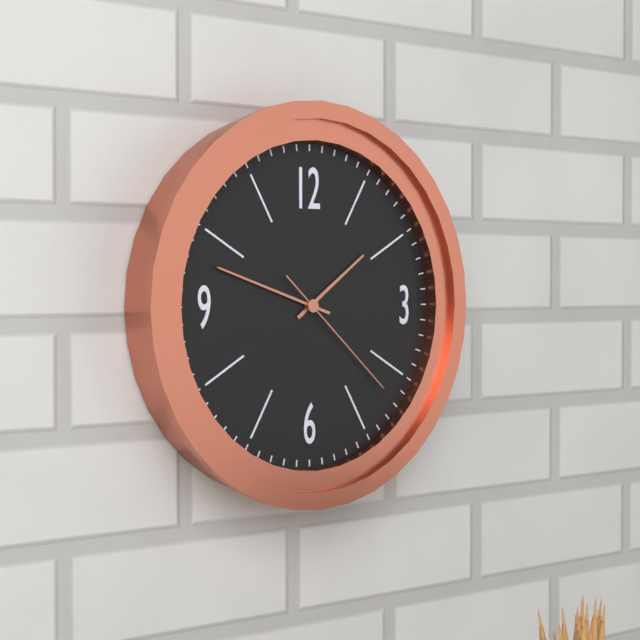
**1:48:22**
